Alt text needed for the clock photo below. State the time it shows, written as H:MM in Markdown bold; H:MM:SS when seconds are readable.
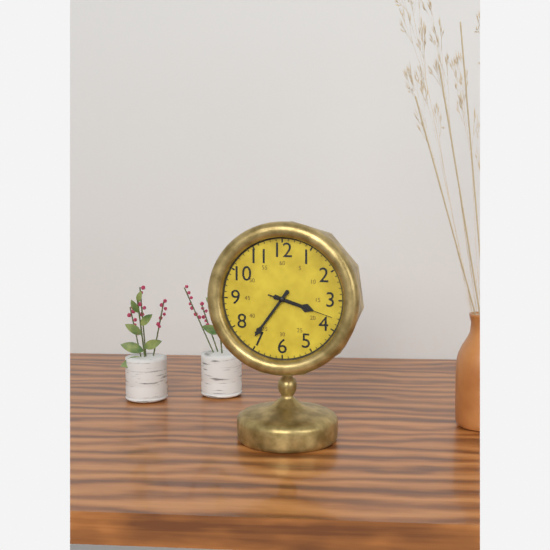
**3:36:18**
